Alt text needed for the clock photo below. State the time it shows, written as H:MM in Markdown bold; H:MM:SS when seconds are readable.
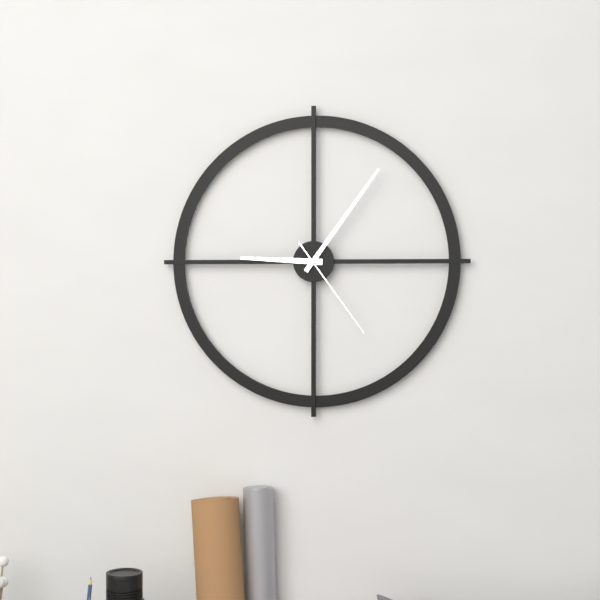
**9:06:24**
